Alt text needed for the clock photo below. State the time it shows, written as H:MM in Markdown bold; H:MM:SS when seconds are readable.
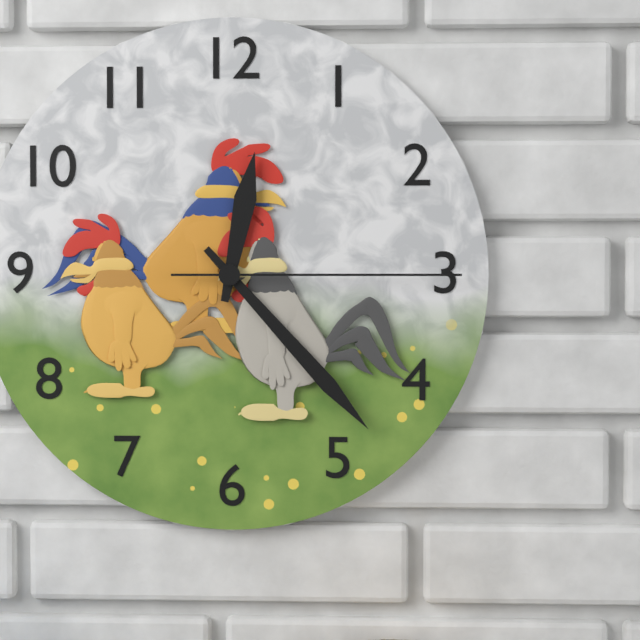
**12:23:15**
